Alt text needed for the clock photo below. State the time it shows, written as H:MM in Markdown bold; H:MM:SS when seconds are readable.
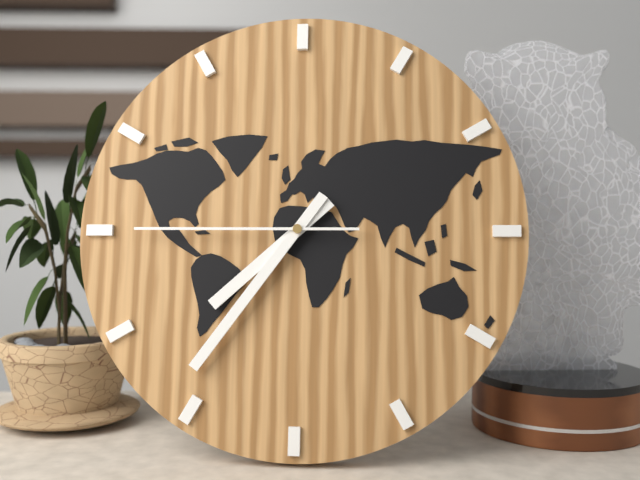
**7:36:45**
